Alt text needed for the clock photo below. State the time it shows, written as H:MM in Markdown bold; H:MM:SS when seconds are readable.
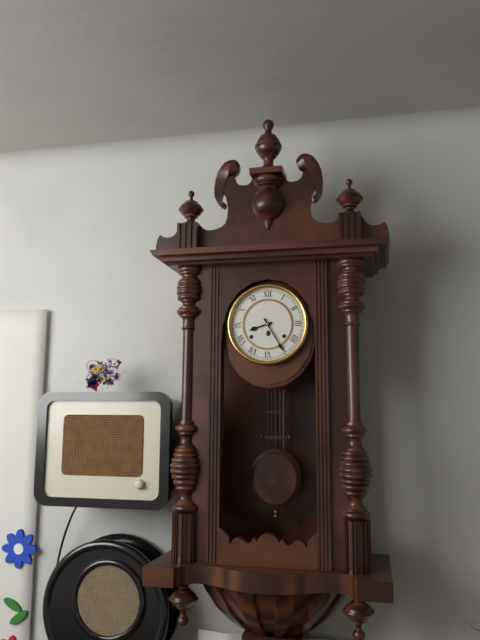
**8:25**
